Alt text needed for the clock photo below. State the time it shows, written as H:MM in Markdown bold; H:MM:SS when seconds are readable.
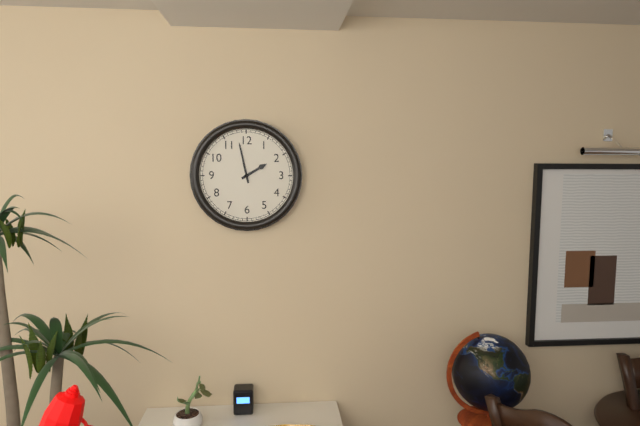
**1:58**
